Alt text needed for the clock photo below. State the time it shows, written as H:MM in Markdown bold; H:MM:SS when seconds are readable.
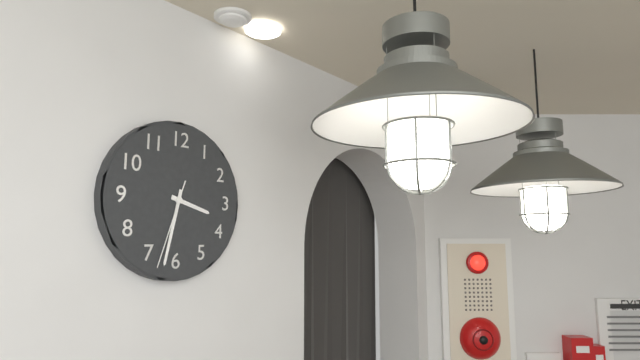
**3:32:33**
